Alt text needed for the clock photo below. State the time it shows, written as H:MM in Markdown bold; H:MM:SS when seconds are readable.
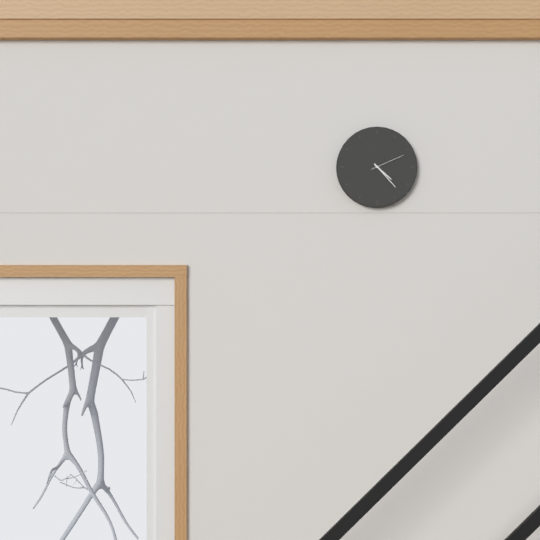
**4:23**
